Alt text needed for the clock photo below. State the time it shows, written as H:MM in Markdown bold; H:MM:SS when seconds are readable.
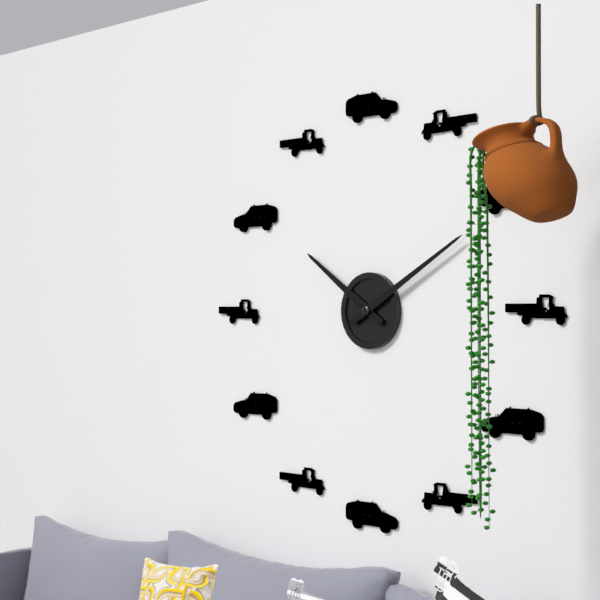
**10:10**
